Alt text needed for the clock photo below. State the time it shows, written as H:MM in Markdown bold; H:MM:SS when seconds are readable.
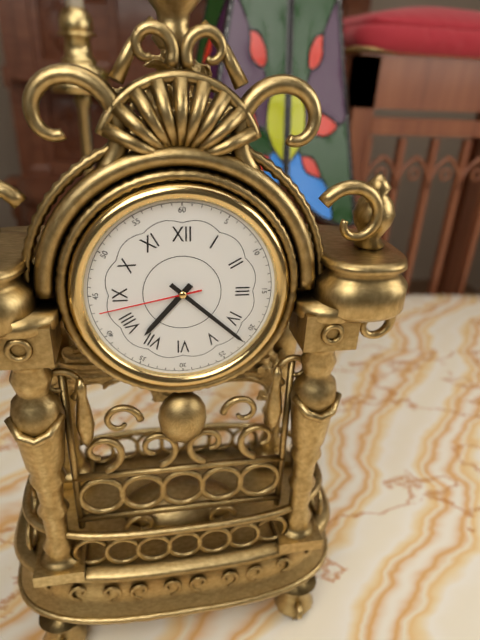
**7:22:43**
